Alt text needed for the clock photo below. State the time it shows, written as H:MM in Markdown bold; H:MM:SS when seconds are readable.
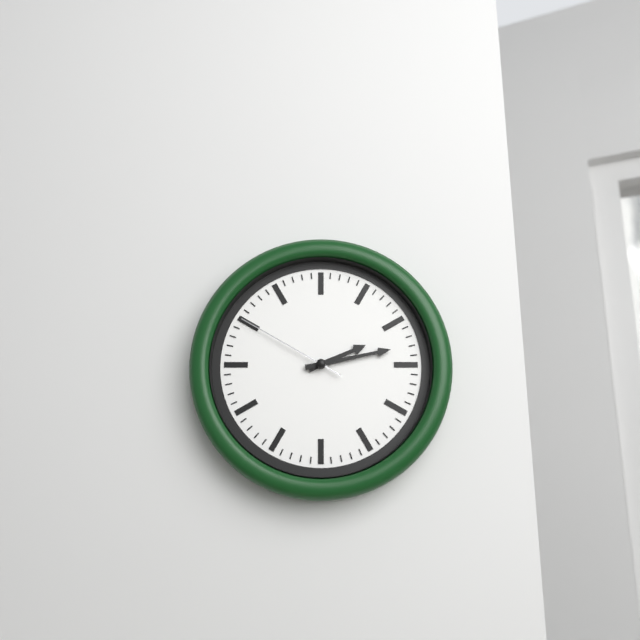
**2:13:50**
